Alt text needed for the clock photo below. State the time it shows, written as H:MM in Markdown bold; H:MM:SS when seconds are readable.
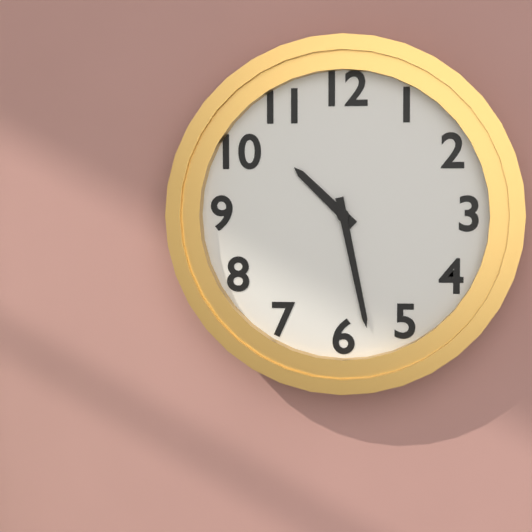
**10:28**
